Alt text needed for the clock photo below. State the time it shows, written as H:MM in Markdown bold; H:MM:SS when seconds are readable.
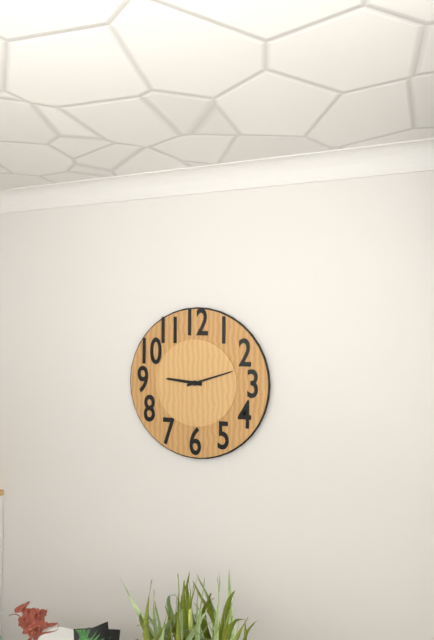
**9:12**
